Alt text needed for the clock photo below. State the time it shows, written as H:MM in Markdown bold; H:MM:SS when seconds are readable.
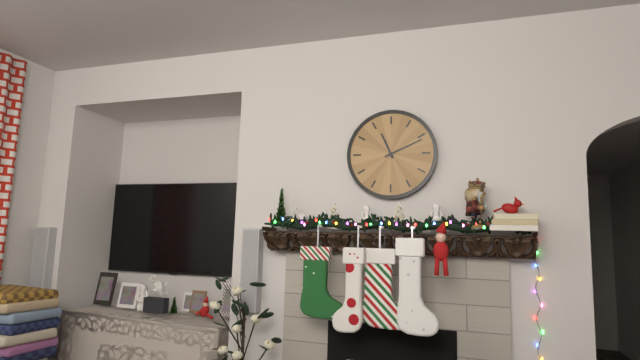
**11:11**
